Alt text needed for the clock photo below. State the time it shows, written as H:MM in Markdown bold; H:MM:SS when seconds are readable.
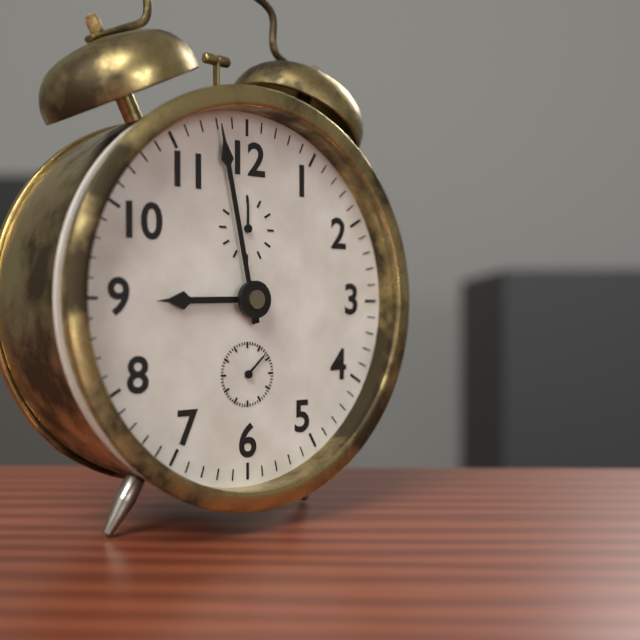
**8:58**
